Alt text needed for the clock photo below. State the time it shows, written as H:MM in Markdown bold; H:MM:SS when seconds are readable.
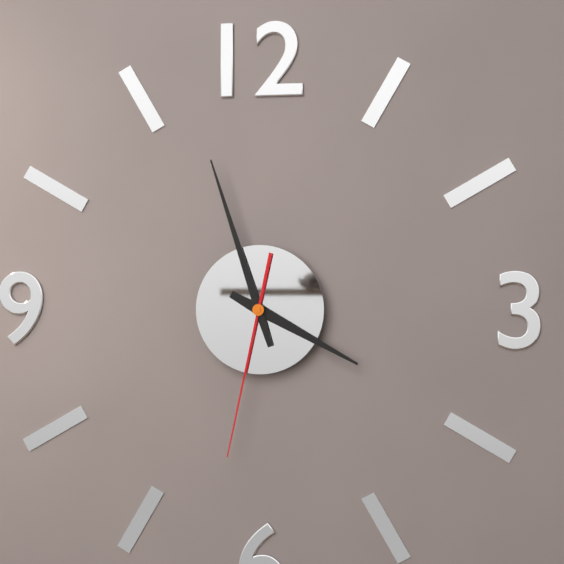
**3:57:32**
